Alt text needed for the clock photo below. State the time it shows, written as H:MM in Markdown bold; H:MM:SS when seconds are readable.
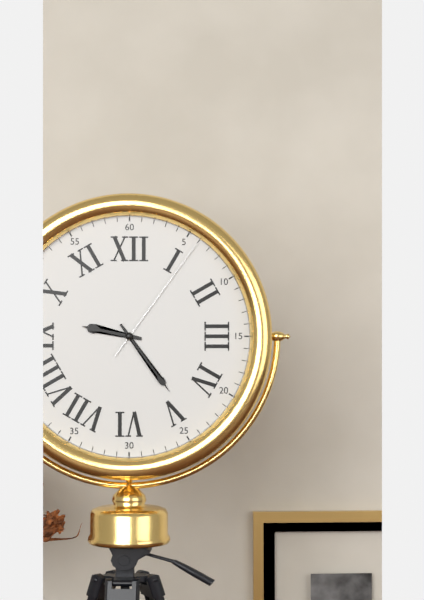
**9:24:06**
